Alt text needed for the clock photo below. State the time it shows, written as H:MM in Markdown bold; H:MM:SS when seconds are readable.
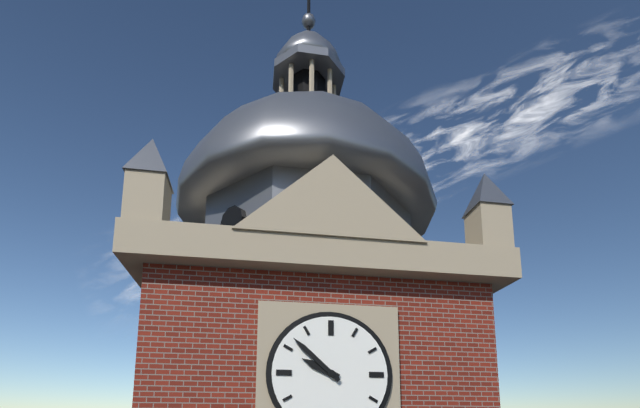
**9:52**
